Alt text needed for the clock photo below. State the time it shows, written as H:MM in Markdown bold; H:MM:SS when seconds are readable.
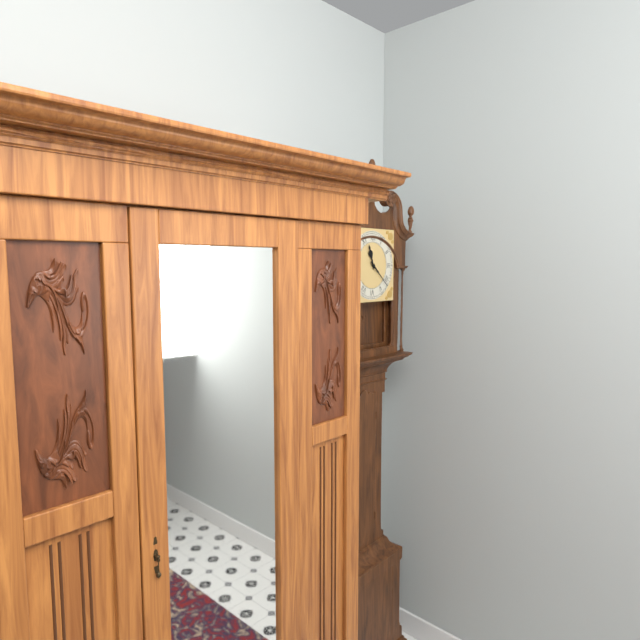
**11:22**
